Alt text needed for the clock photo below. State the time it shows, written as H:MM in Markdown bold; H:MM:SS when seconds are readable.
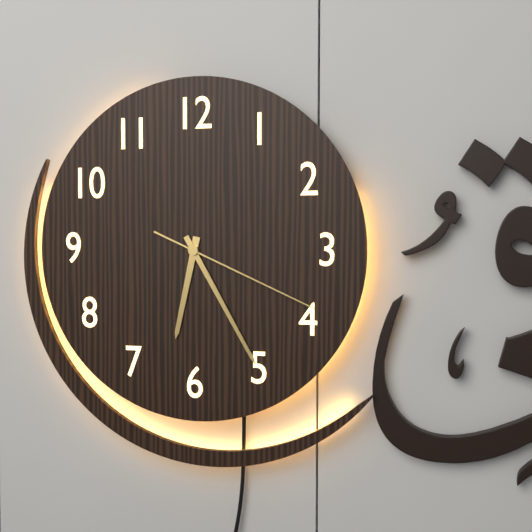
**6:25:19**
